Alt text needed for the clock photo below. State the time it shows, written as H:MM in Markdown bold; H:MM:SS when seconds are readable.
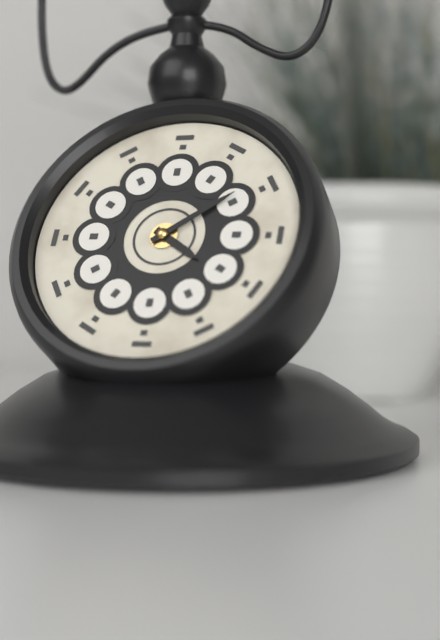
**4:09**
